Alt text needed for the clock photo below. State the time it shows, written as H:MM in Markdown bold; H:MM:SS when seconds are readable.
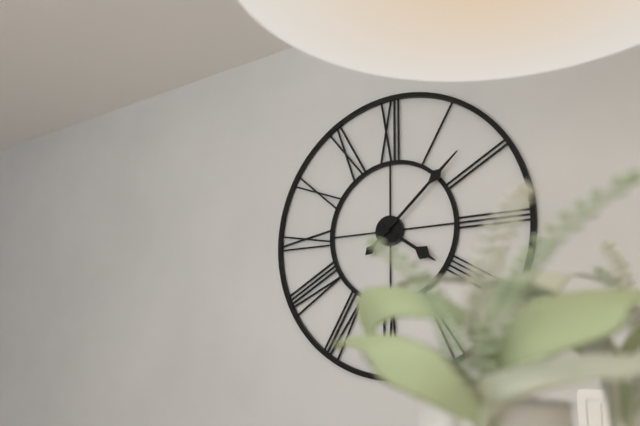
**4:08**
